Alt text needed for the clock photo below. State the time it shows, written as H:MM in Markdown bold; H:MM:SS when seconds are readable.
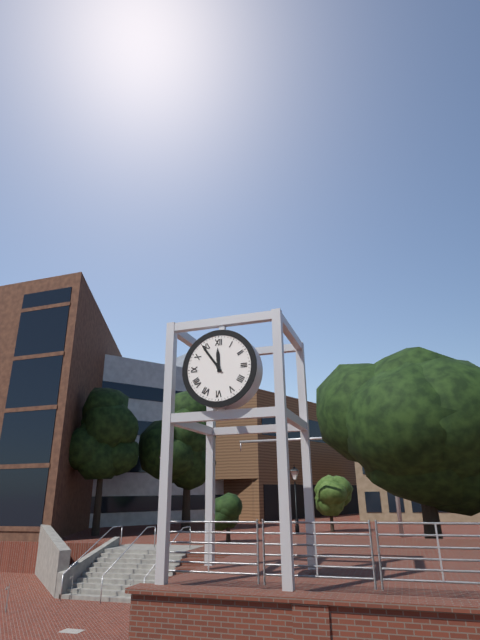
**11:54**
